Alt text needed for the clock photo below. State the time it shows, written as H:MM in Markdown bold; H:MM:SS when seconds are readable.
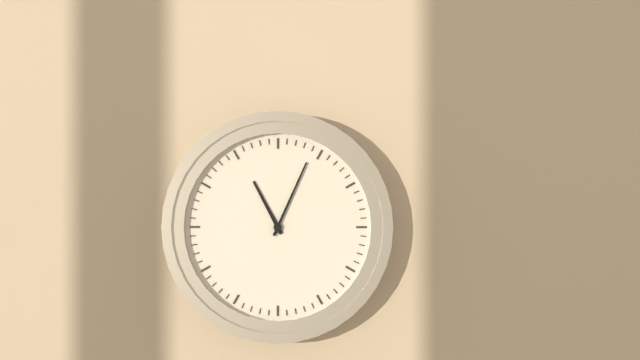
**11:04**
